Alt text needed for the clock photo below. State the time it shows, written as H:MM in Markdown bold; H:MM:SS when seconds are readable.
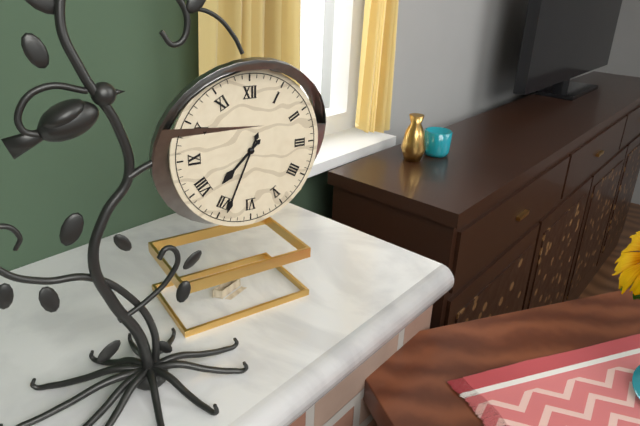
**7:34**
